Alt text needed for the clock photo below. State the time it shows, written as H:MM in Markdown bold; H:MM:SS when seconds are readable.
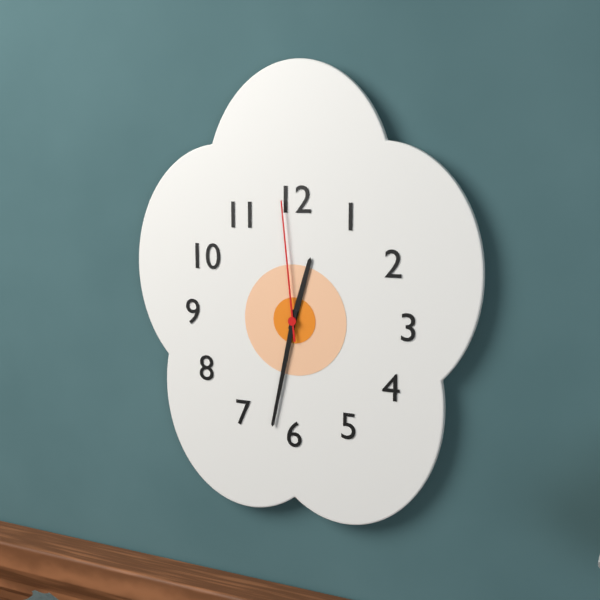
**12:32:59**
